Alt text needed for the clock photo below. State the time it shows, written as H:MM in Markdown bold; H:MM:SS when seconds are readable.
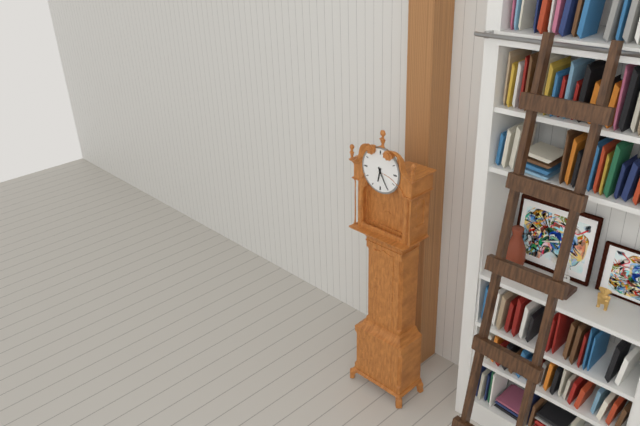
**6:25**
